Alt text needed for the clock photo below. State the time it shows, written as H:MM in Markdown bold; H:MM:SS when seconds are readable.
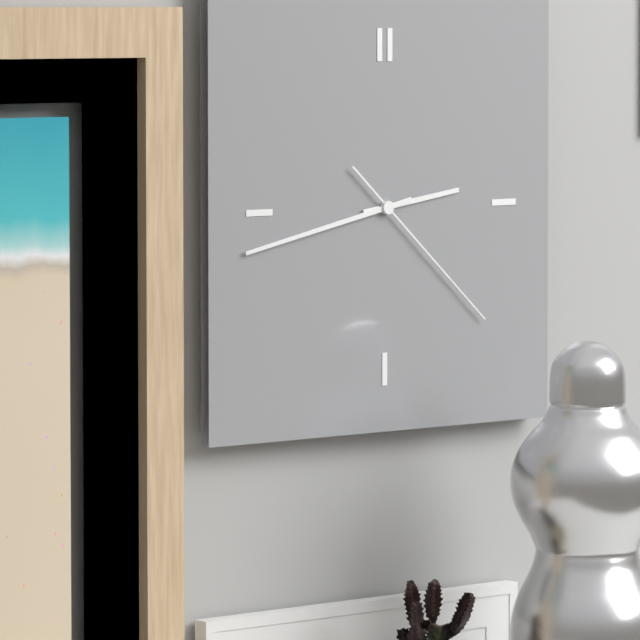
**2:43:22**
